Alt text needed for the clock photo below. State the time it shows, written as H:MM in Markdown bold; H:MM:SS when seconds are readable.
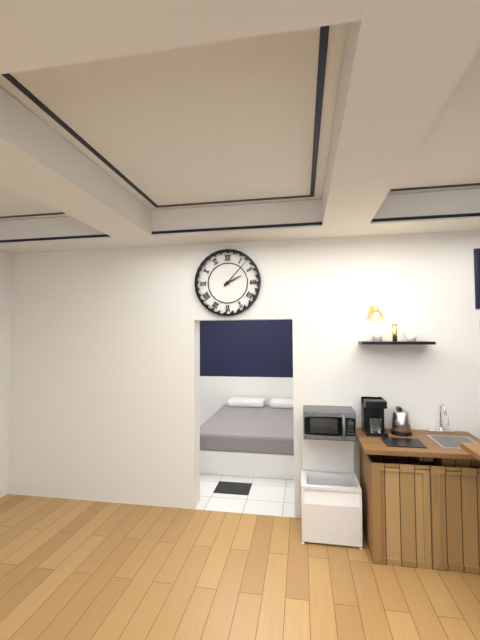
**2:07**
